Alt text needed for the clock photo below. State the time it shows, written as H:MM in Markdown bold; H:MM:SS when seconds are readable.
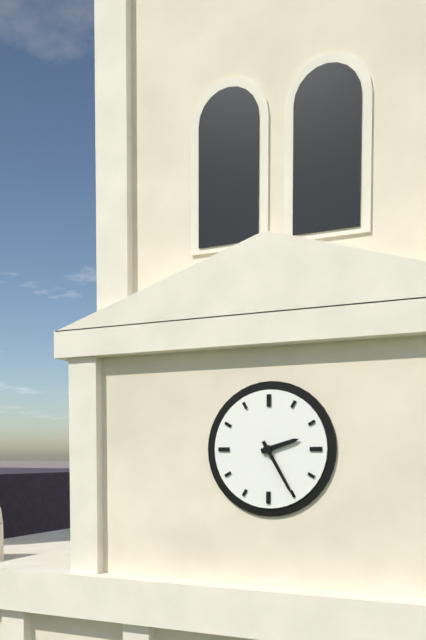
**2:25**
